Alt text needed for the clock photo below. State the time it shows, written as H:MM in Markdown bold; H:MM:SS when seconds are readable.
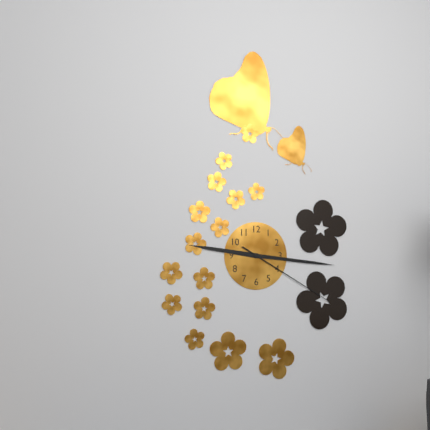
**9:16:20**
